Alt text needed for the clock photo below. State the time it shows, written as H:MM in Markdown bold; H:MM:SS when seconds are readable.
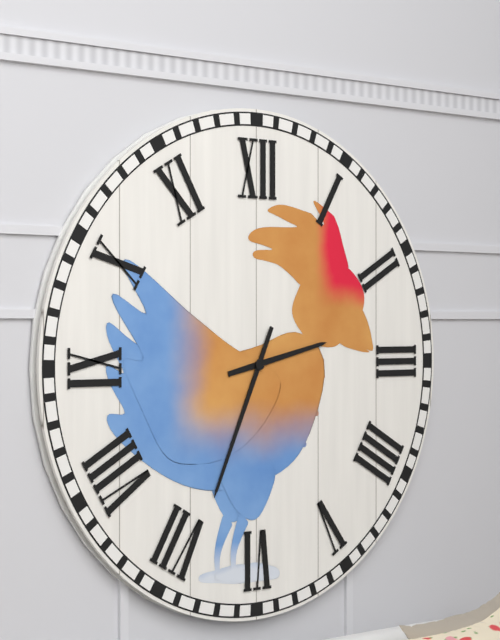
**2:34**
